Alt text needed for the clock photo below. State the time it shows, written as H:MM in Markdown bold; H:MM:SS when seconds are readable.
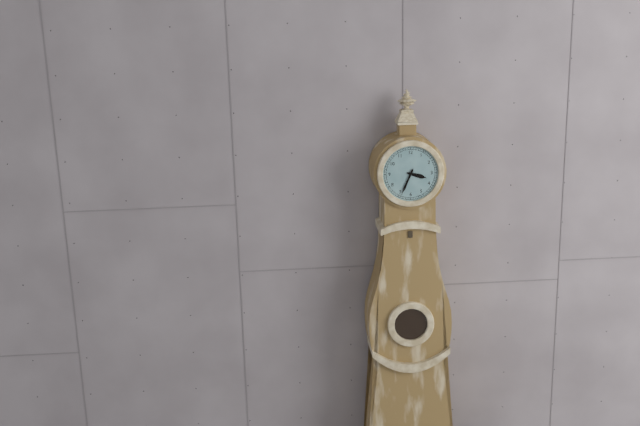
**3:34**
